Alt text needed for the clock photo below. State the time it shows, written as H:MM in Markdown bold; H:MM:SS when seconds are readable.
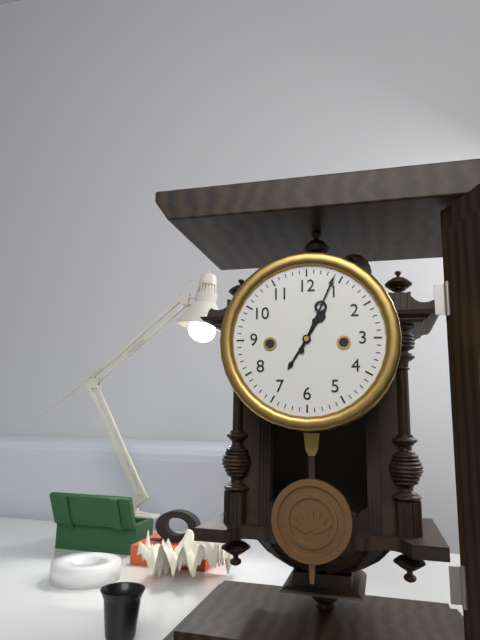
**1:04**
